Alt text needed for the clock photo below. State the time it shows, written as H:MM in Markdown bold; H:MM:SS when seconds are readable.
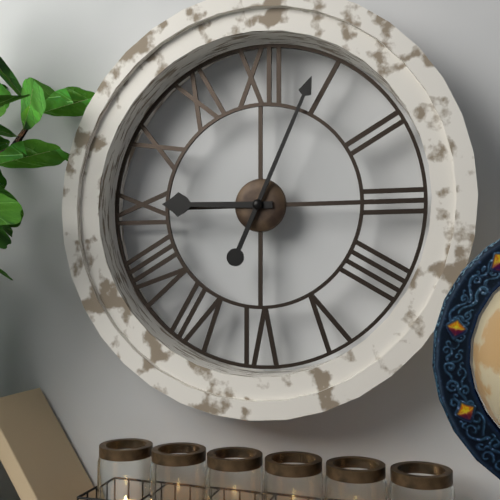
**9:04**
